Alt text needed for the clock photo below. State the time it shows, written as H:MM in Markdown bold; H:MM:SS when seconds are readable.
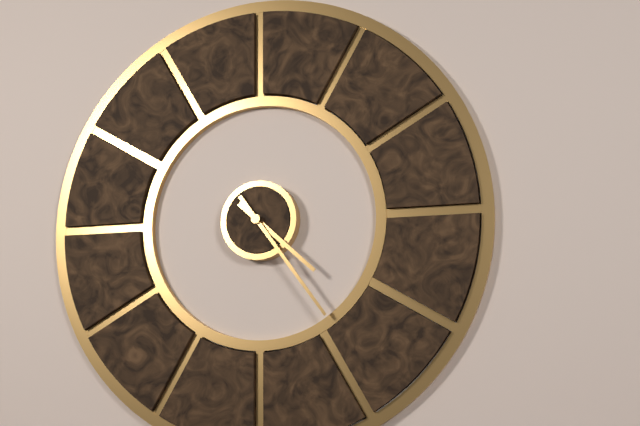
**4:24**
